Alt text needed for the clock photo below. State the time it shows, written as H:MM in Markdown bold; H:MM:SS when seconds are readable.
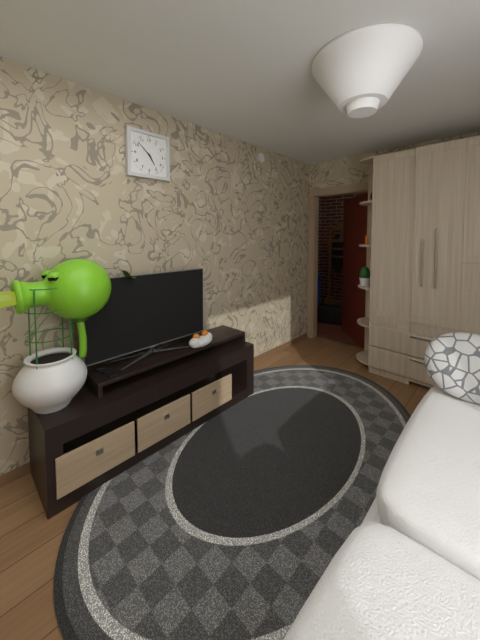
**4:52**
